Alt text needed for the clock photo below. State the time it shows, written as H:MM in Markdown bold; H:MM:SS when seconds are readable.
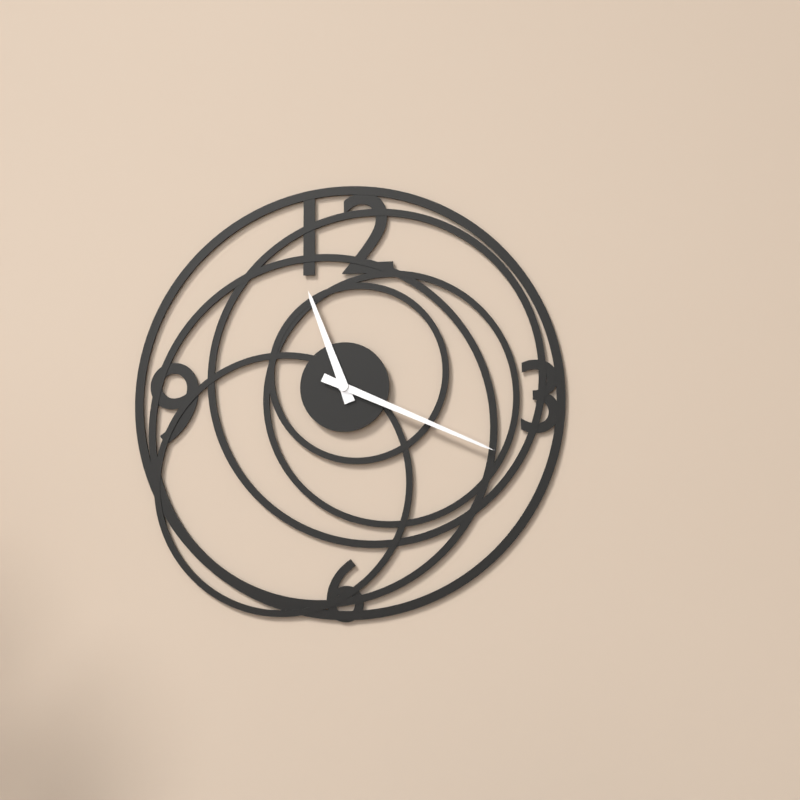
**11:19**
